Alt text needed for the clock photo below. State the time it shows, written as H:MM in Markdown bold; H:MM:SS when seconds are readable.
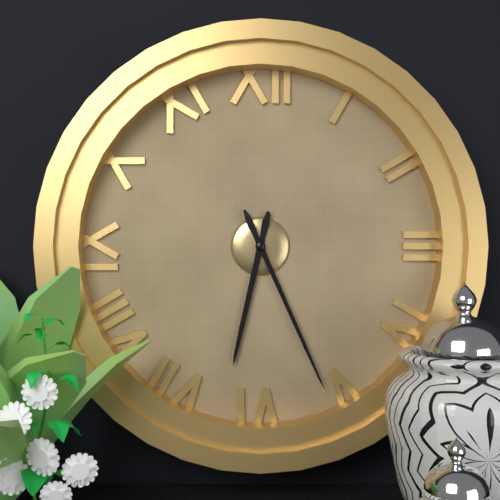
**6:26**
